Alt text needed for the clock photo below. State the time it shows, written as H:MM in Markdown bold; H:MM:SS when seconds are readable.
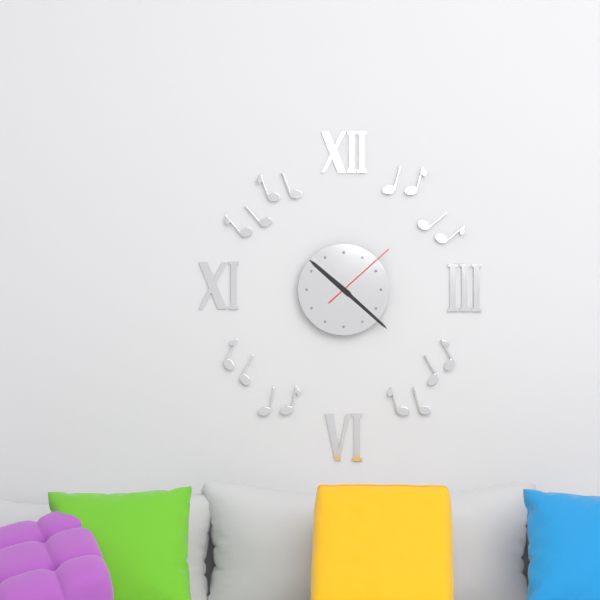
**10:22:08**
